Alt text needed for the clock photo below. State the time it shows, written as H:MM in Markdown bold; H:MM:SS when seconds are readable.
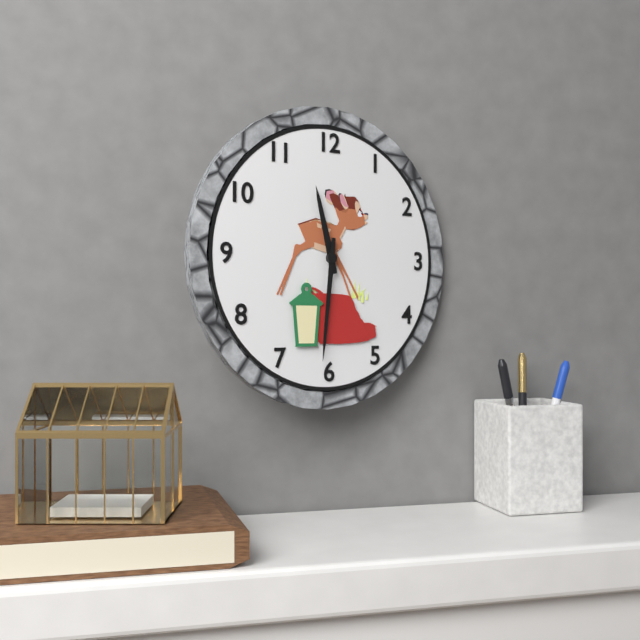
**11:31**
